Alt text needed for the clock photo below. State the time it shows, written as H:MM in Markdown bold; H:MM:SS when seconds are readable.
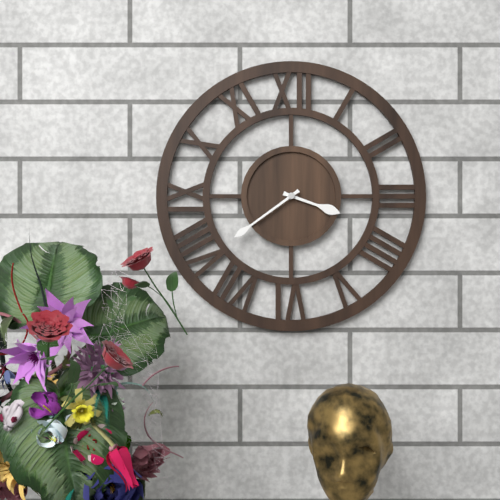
**3:39**
